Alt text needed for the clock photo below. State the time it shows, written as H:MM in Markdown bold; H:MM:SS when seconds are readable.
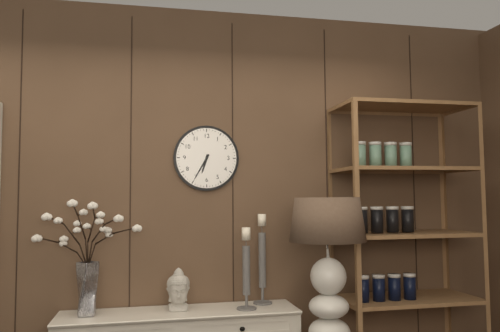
**6:35**
